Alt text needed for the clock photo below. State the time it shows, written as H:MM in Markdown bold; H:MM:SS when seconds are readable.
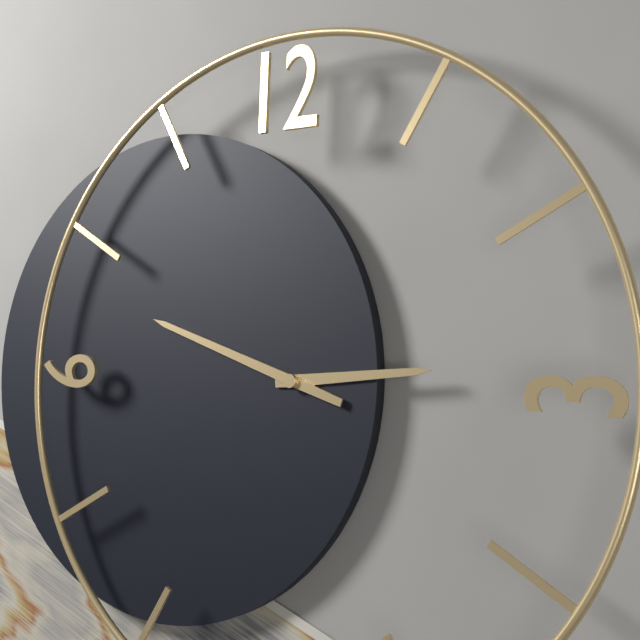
**2:48**
